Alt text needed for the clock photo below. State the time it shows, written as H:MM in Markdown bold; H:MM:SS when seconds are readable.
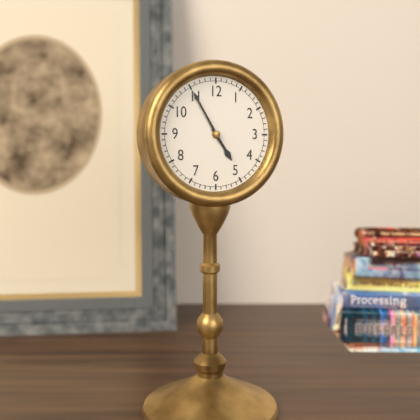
**4:55**
